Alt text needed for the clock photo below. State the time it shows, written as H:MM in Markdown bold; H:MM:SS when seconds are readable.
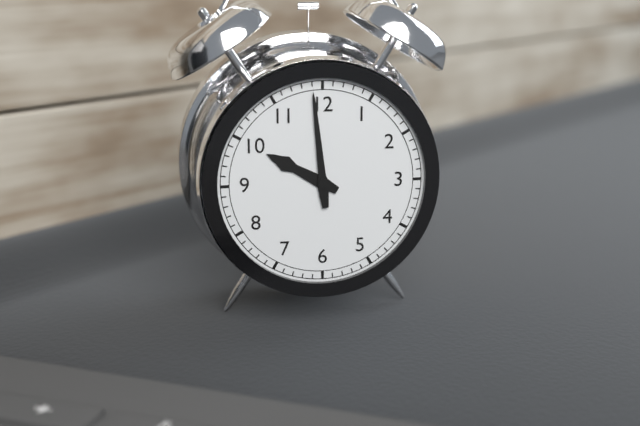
**9:59**
